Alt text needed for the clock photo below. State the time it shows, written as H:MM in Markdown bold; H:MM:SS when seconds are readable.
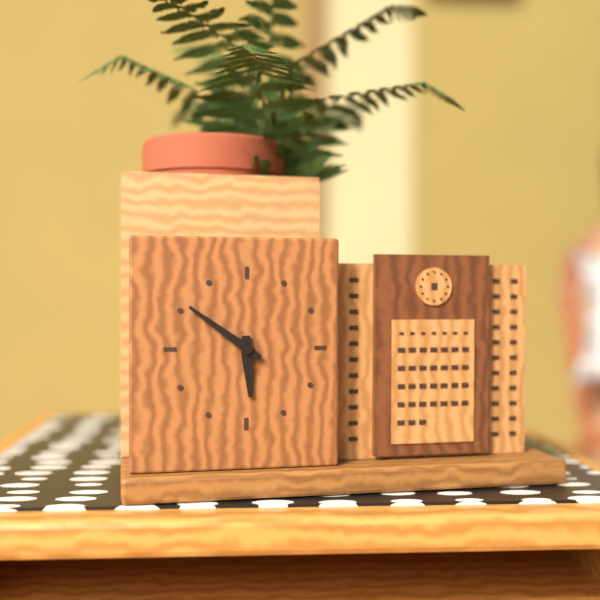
**5:51**
